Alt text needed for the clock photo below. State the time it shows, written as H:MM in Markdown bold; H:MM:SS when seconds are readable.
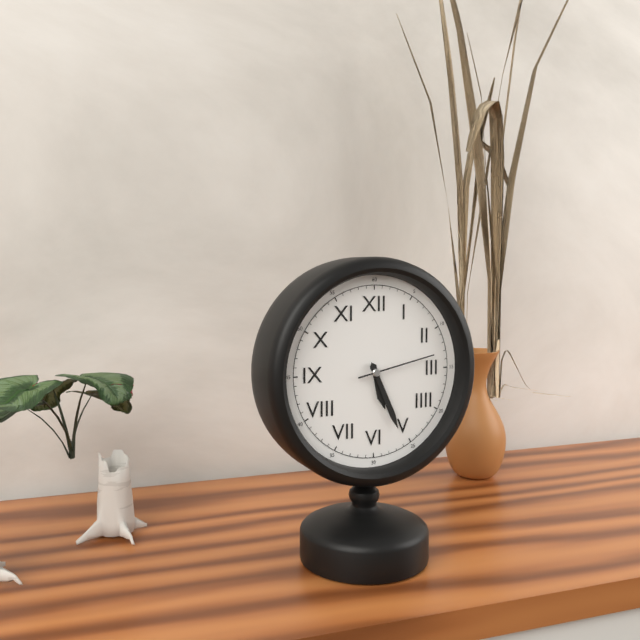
**5:26:13**
